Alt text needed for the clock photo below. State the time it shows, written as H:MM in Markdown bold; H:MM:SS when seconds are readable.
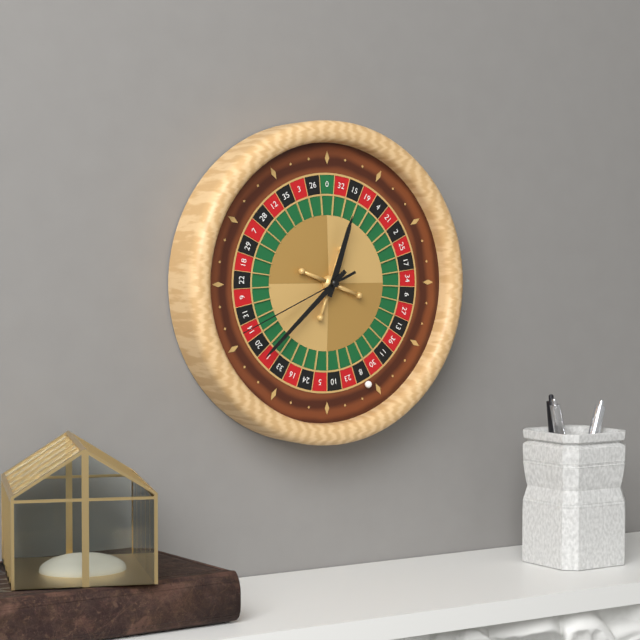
**12:38:41**
